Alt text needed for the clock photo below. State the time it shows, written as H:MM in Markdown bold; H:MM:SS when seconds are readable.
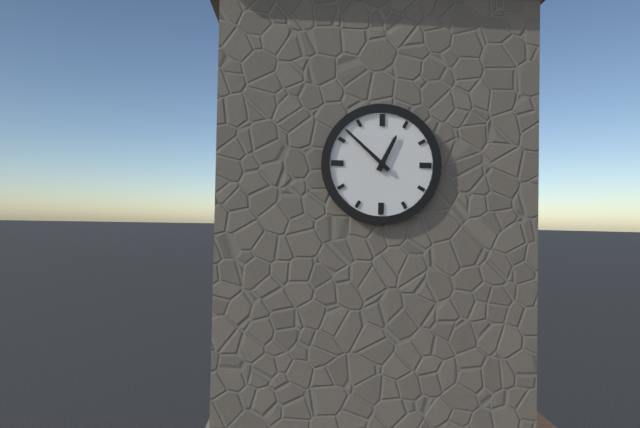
**12:52**
